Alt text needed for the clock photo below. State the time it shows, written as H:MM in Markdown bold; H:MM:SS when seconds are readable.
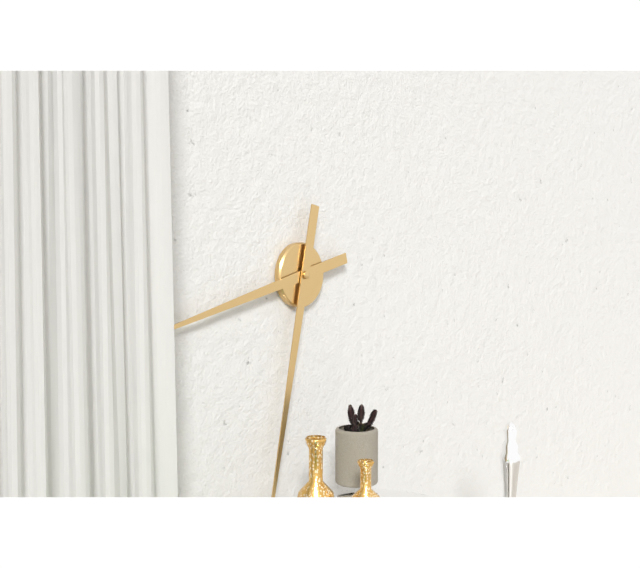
**8:32**
